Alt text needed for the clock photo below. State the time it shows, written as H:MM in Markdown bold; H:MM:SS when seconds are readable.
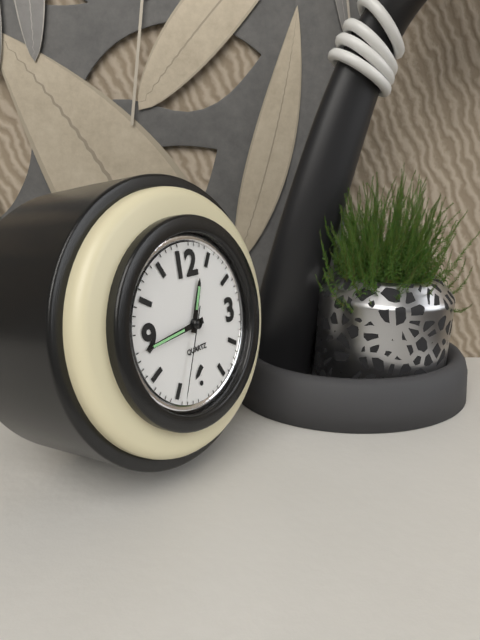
**12:44:34**
